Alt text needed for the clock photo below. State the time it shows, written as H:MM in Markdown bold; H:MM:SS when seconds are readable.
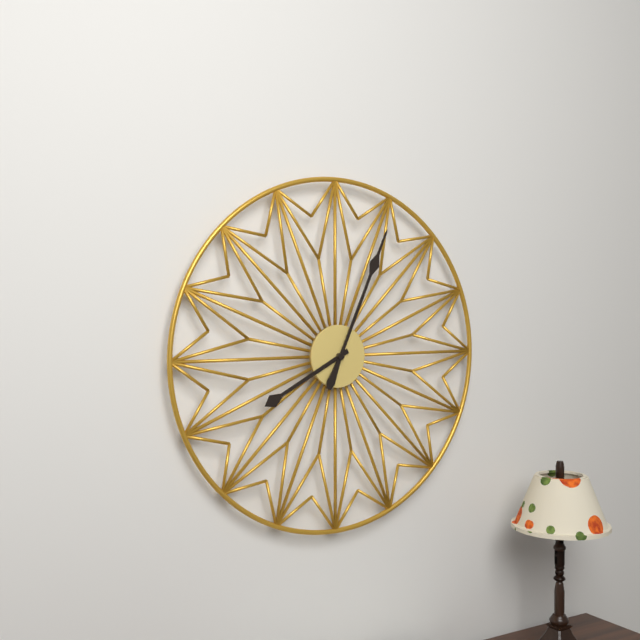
**8:04**
